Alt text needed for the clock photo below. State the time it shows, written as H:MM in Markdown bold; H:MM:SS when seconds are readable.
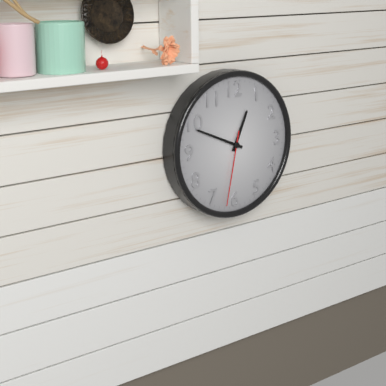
**12:49:32**
